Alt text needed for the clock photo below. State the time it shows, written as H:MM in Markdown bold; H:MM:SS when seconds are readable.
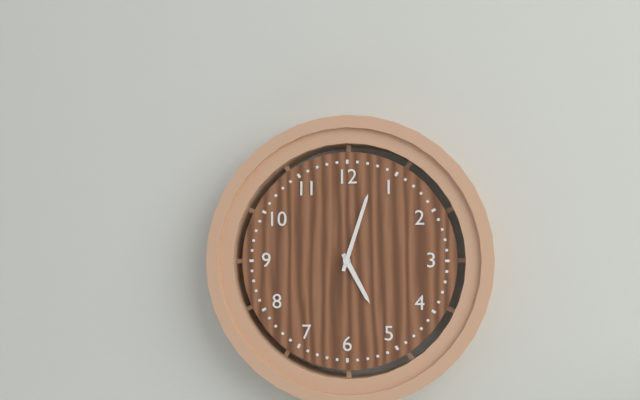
**5:03**
